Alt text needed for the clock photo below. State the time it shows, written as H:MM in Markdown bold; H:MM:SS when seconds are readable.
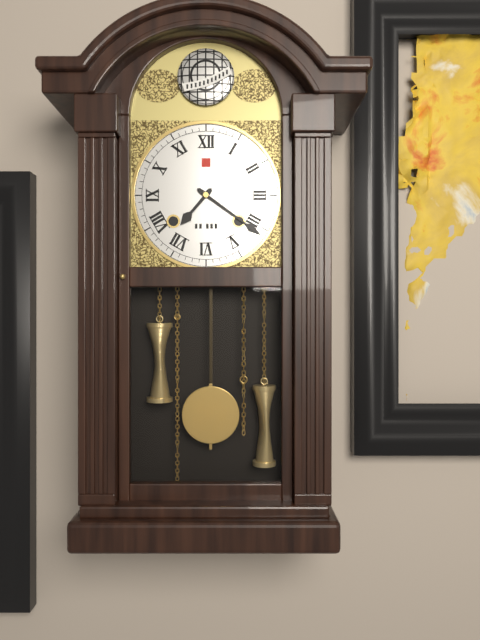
**7:21**
